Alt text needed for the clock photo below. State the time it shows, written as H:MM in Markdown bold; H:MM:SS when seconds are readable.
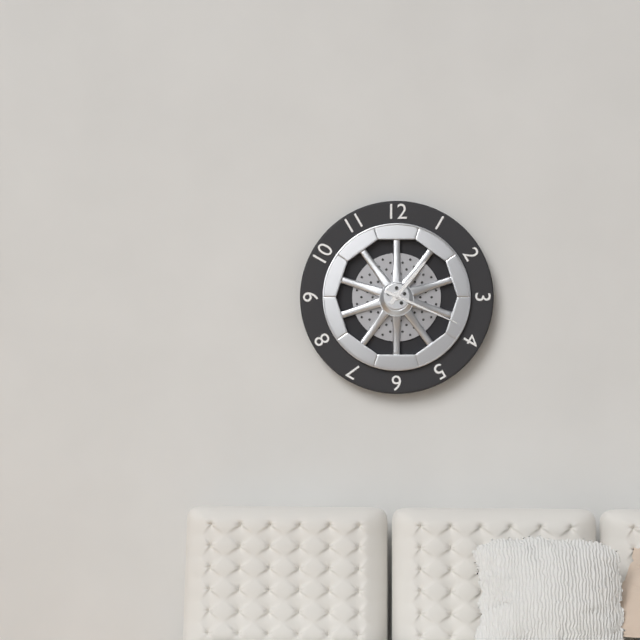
**1:19**
